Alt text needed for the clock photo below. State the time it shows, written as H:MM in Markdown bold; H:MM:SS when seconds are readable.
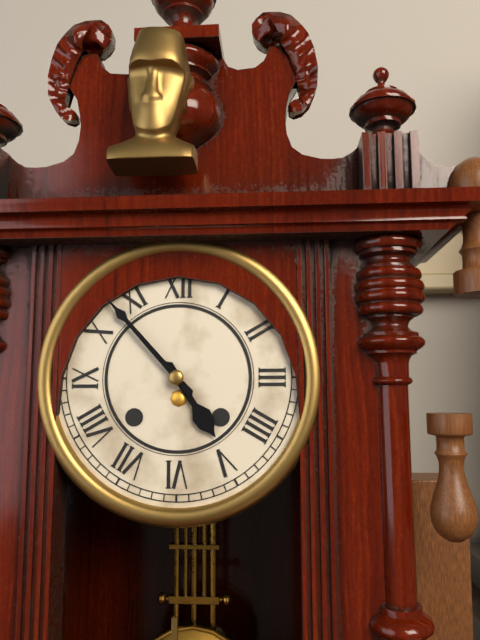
**4:53**
